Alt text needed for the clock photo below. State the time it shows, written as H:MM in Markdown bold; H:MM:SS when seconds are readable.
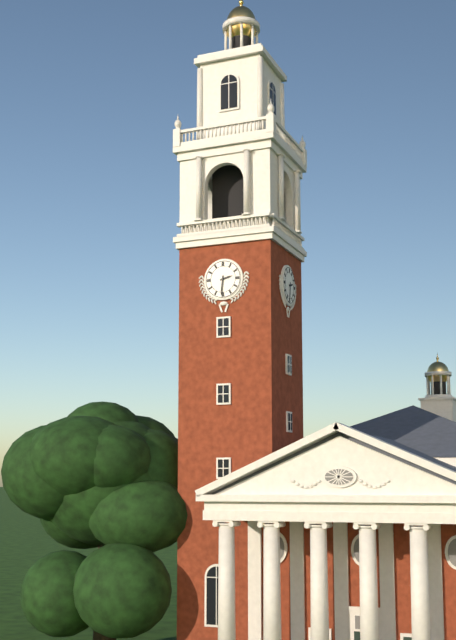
**2:31**
